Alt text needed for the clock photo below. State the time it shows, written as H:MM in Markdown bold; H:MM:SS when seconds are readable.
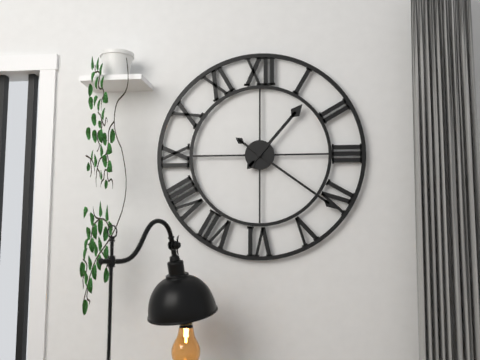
**1:21**
